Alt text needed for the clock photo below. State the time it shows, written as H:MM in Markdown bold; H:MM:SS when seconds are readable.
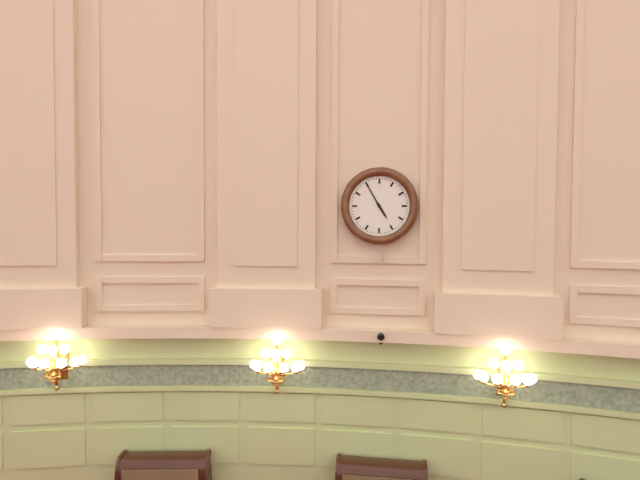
**4:55**
